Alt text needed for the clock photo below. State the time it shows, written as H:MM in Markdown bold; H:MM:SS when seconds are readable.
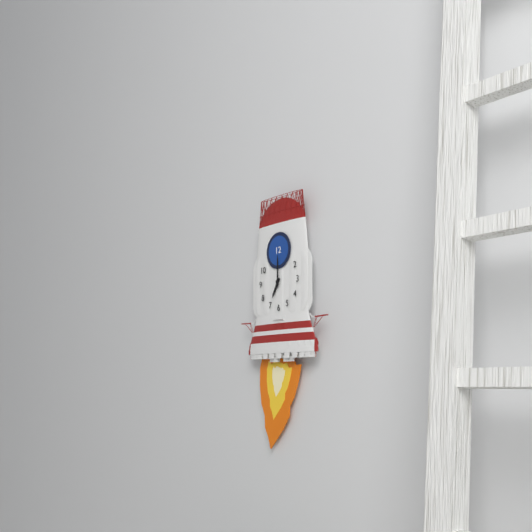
**7:00**
